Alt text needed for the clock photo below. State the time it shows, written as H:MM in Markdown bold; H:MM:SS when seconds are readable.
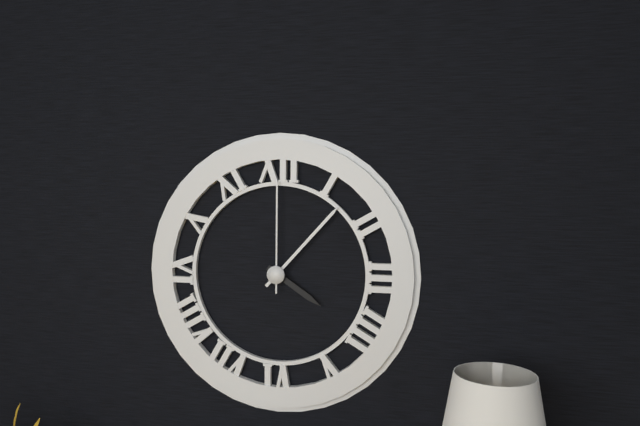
**4:07:00**
